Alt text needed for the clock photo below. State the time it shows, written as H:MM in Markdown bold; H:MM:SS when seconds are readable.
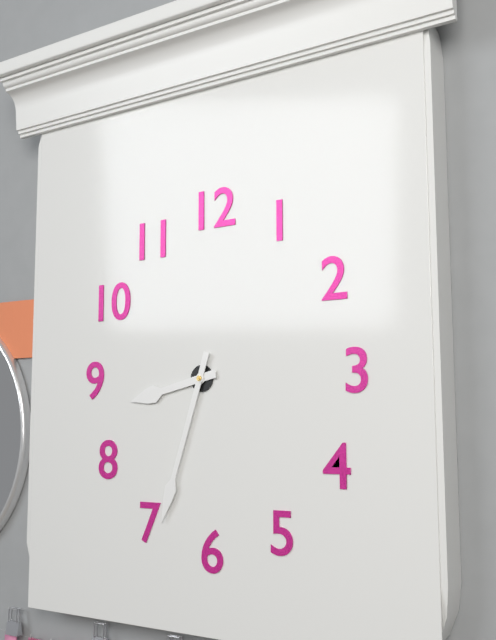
**8:33**
